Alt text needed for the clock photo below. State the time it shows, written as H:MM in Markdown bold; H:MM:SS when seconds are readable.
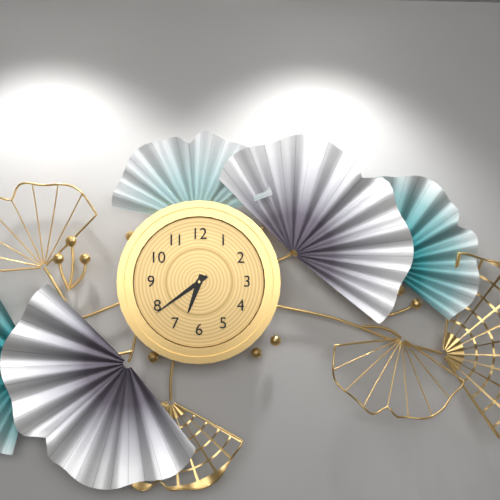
**6:39**
